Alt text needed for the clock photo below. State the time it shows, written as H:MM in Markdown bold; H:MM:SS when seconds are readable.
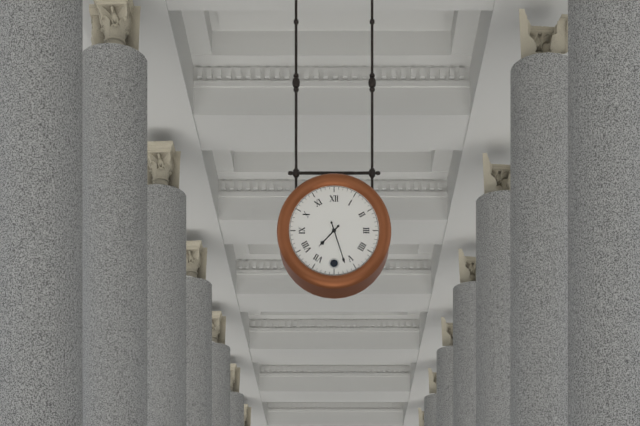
**7:27**
